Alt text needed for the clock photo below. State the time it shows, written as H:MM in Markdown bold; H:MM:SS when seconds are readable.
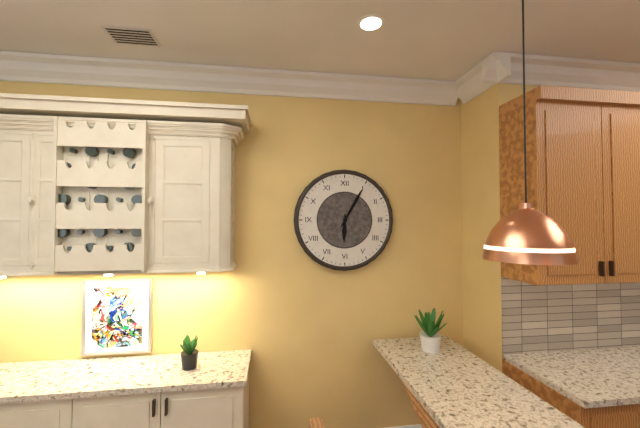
**6:05**
